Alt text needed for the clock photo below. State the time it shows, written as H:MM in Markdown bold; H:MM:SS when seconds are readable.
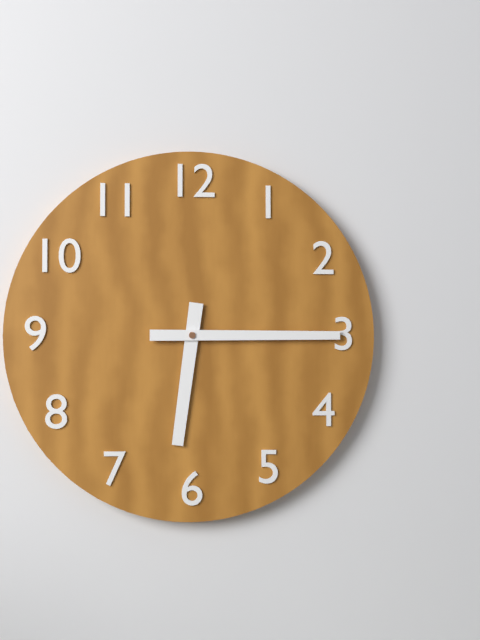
**6:15**
